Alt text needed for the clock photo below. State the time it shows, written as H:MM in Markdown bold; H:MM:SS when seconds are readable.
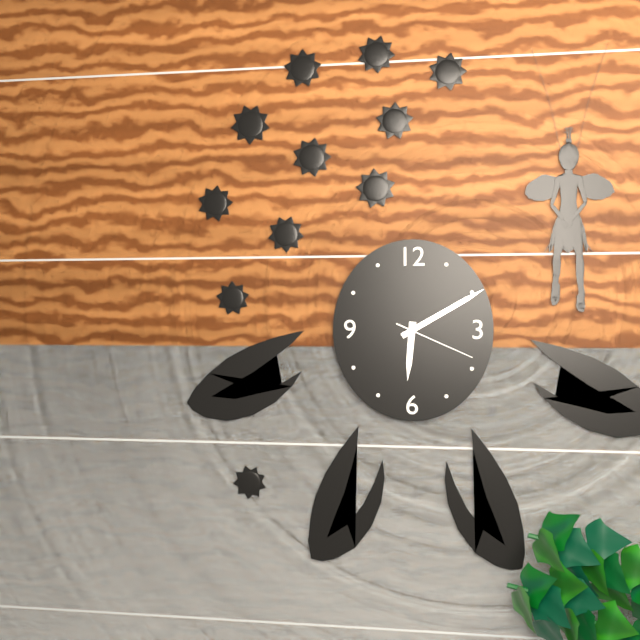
**6:10:19**
